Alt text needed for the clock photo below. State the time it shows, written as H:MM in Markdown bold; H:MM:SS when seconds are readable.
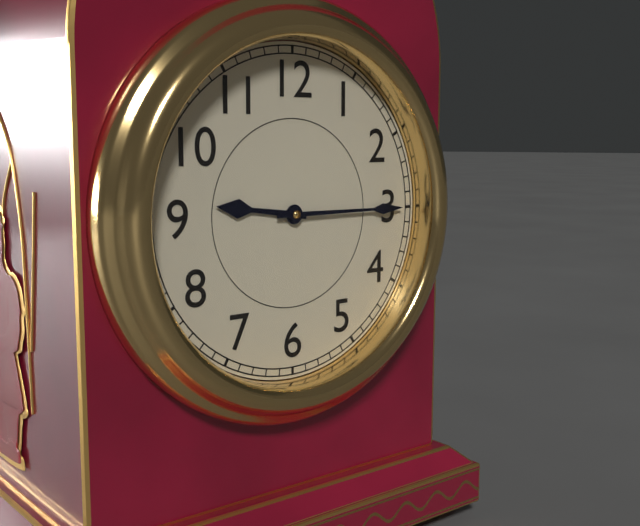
**9:15**
